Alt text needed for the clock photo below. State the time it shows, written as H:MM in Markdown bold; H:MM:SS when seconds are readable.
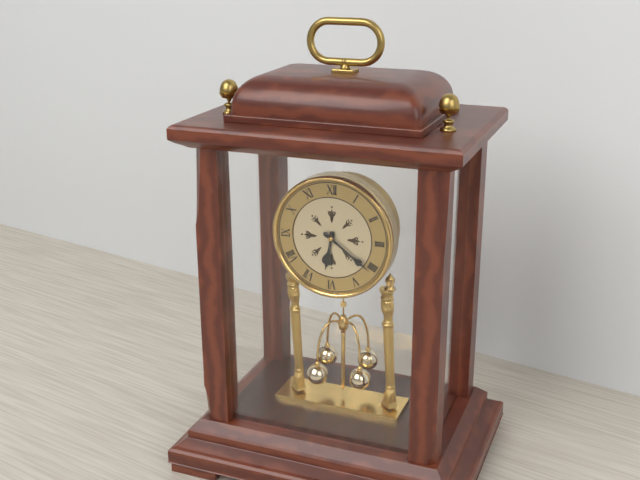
**6:21**
